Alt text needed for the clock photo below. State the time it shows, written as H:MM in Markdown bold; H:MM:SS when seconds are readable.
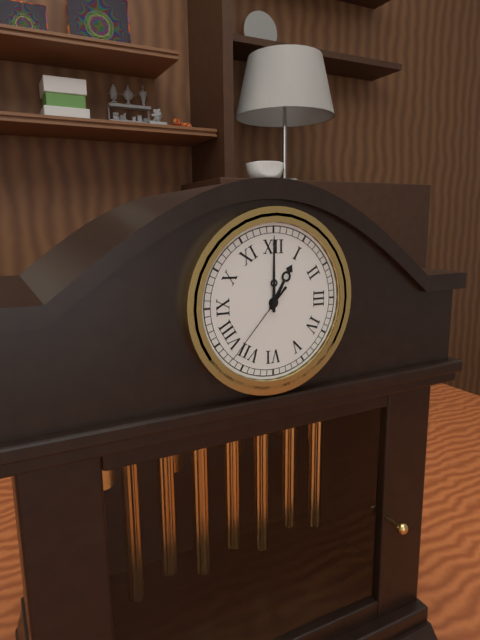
**1:00:37**
